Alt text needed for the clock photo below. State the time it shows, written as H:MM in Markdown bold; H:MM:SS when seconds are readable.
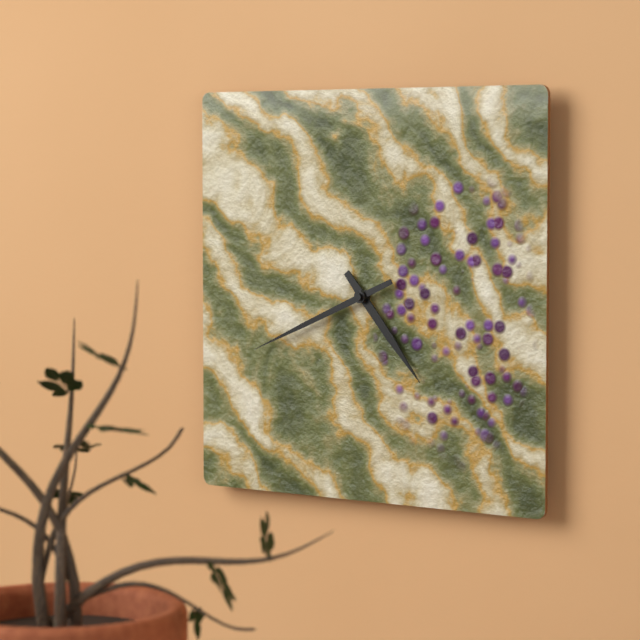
**4:41**
